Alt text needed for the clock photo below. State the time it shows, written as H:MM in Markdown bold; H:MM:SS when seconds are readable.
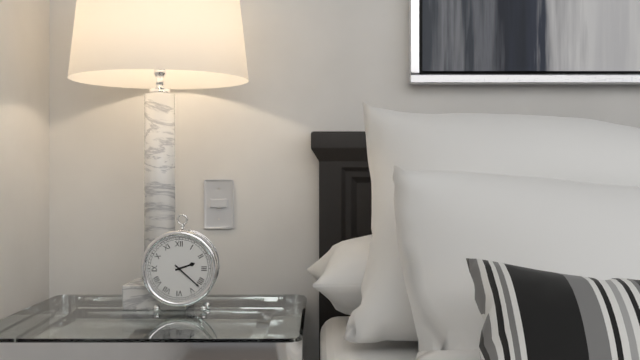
**2:22**
